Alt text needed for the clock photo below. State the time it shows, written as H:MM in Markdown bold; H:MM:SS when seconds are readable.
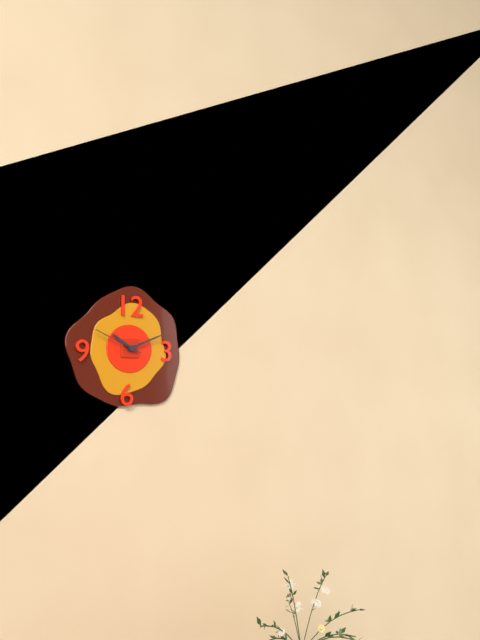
**10:11:49**
